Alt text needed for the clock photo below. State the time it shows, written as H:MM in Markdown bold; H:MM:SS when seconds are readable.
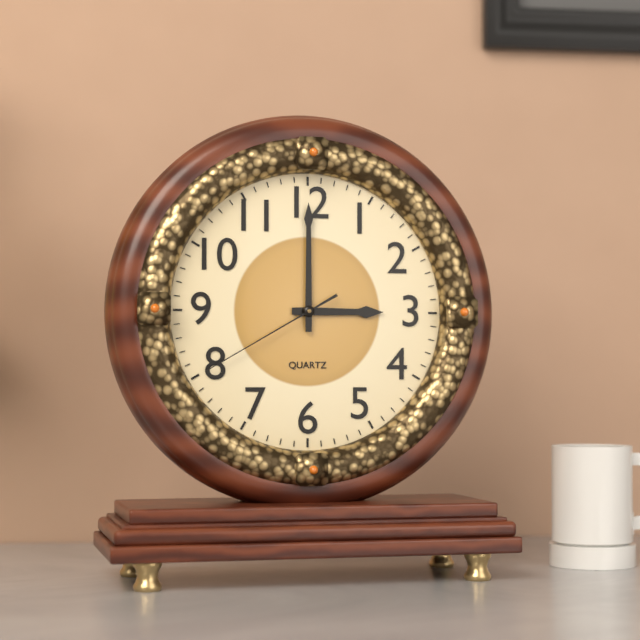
**3:00:40**
